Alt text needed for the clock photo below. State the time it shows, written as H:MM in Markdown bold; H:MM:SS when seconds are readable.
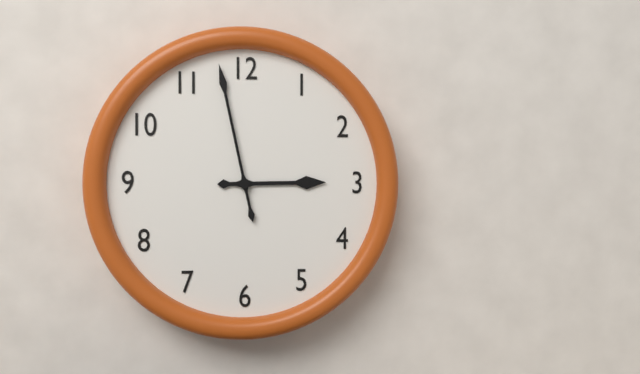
**2:58**
